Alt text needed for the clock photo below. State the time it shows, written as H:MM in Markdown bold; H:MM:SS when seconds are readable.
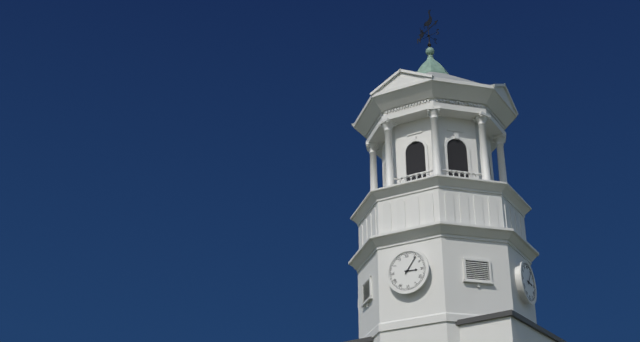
**3:06**
